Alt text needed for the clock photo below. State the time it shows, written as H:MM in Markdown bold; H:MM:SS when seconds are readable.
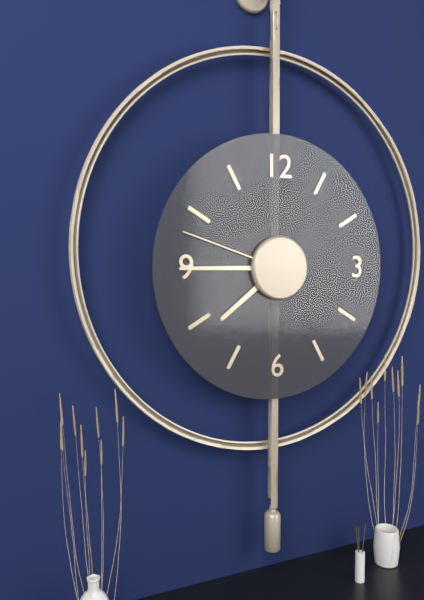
**7:45:48**
